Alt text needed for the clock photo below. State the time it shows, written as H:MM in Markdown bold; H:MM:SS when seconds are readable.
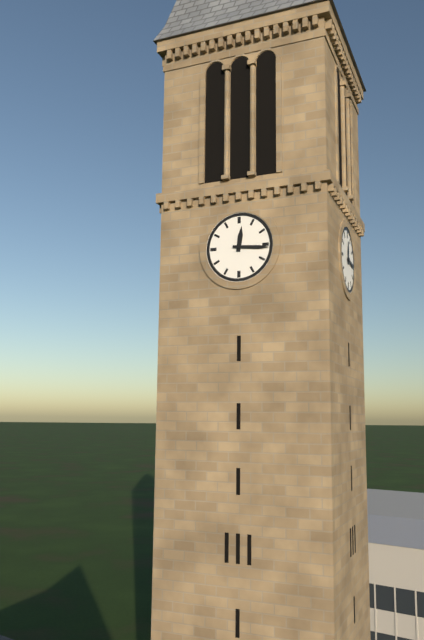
**12:16**
